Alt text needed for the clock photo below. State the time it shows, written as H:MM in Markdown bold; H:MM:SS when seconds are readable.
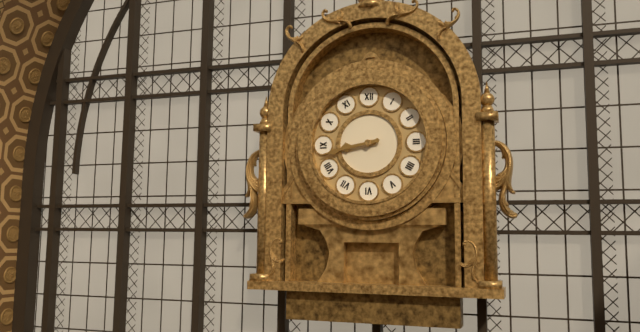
**8:43**
